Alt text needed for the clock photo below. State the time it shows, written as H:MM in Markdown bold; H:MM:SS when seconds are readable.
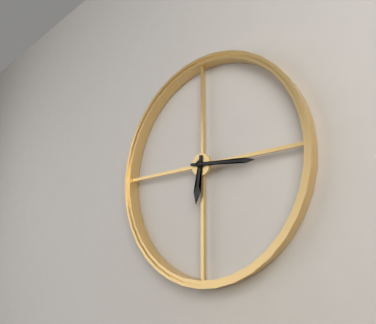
**6:16**
